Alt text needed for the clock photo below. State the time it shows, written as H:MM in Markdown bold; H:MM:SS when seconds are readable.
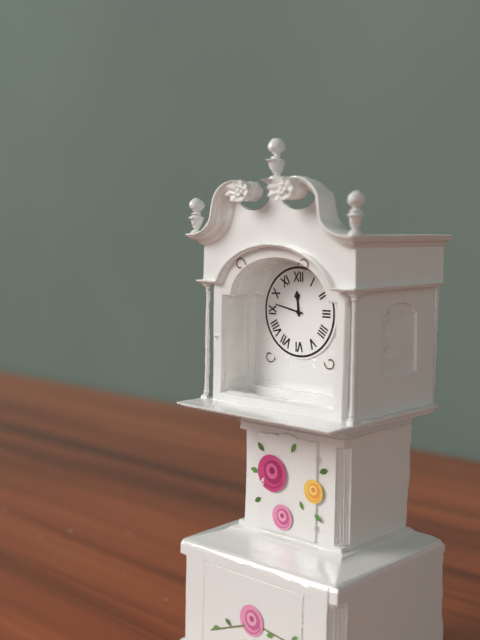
**11:47**
